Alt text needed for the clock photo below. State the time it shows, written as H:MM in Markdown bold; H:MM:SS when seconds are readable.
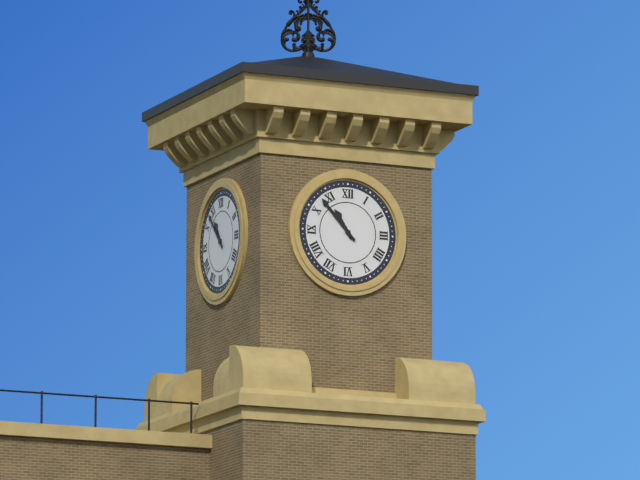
**10:53**
